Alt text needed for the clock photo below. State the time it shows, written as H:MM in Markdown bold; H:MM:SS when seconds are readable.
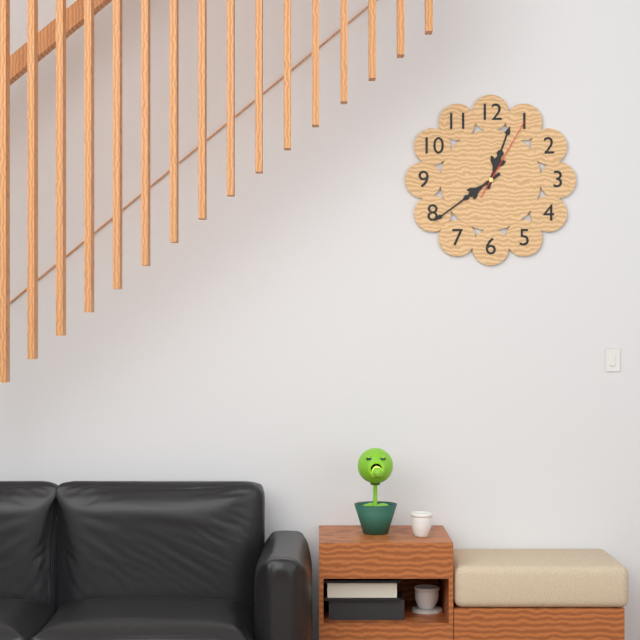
**12:39:05**
